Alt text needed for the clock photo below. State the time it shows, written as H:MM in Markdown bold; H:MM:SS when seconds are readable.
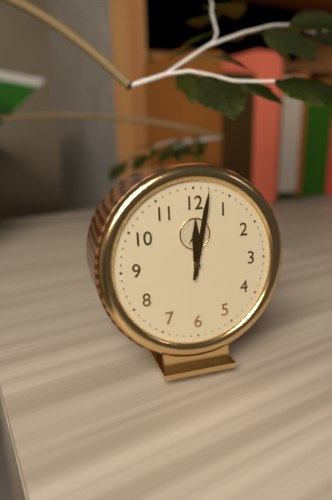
**12:02**
